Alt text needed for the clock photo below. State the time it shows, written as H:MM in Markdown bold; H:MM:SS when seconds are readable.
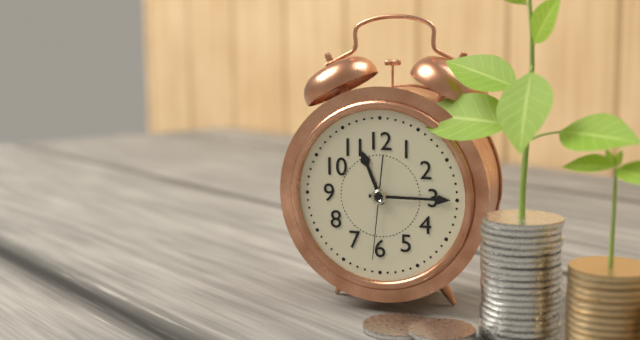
**11:15:31**
